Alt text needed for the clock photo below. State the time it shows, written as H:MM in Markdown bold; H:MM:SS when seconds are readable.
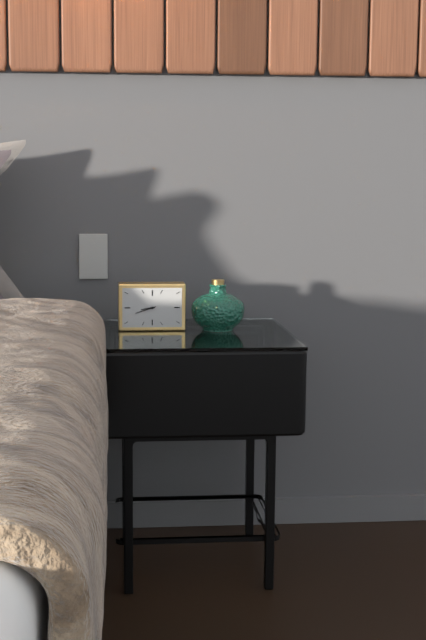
**8:42**
